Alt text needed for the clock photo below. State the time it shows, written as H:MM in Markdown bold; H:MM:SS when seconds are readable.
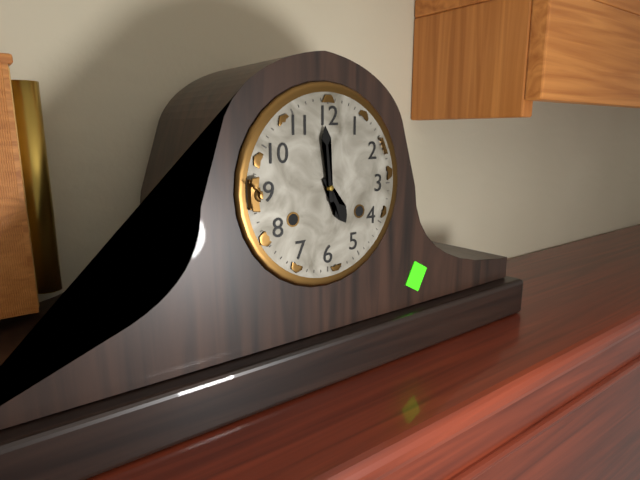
**4:59**
